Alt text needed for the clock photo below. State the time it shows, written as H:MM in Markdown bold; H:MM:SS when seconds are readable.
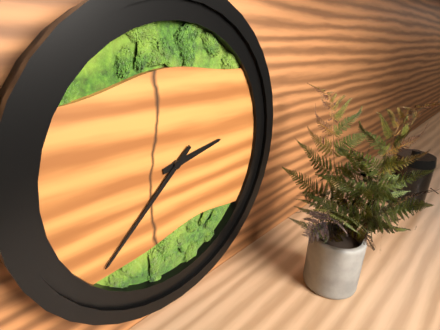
**2:38**
